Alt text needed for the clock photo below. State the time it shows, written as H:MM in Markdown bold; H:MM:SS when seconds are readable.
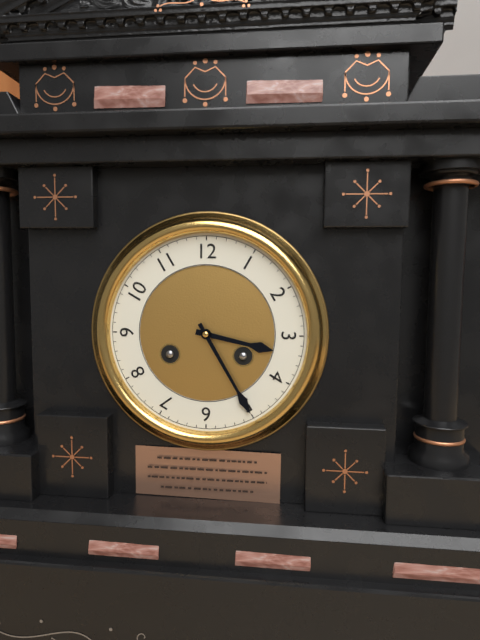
**3:25**
